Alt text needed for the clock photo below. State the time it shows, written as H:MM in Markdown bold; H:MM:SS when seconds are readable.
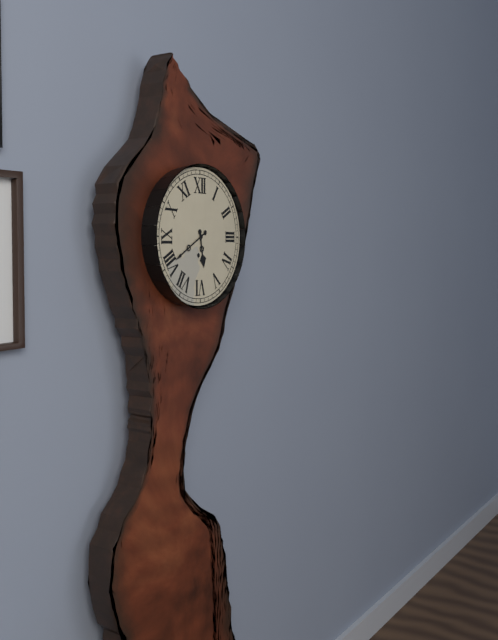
**5:40**
